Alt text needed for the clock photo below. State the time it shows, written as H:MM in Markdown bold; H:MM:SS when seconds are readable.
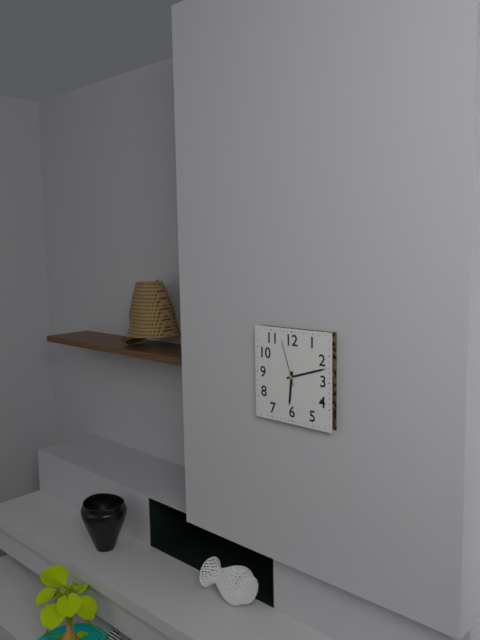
**6:12:57**
